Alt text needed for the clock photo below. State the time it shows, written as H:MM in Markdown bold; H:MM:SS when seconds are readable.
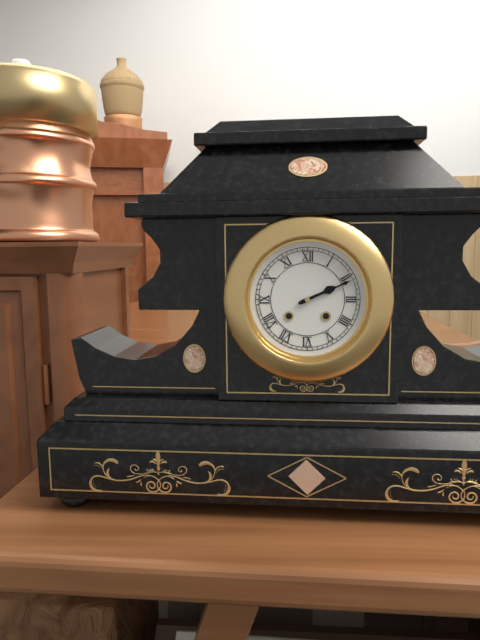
**2:11**
